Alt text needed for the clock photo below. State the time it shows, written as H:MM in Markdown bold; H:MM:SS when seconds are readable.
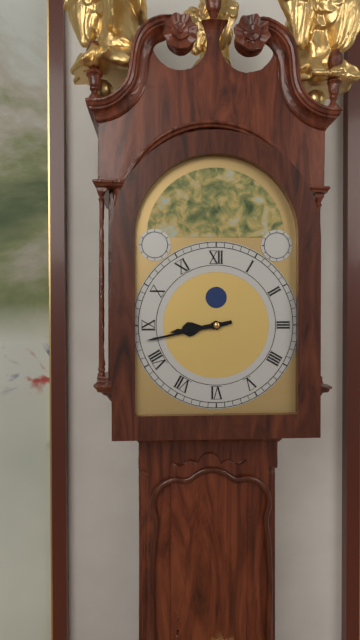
**8:43**
